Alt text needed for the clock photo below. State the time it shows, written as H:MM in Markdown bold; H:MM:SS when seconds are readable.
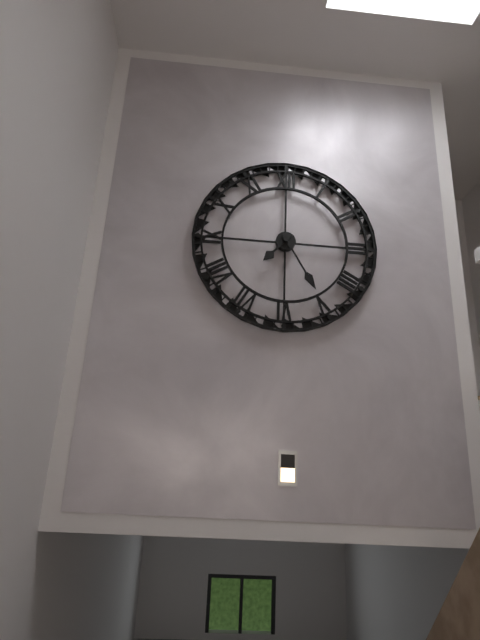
**7:25**
